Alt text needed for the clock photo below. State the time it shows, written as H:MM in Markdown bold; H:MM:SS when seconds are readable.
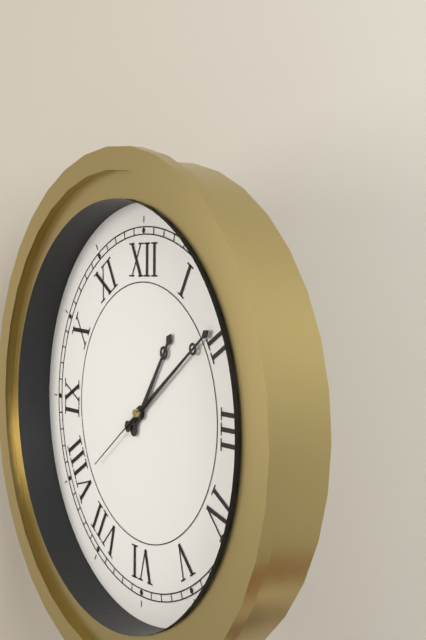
**1:09:39**
